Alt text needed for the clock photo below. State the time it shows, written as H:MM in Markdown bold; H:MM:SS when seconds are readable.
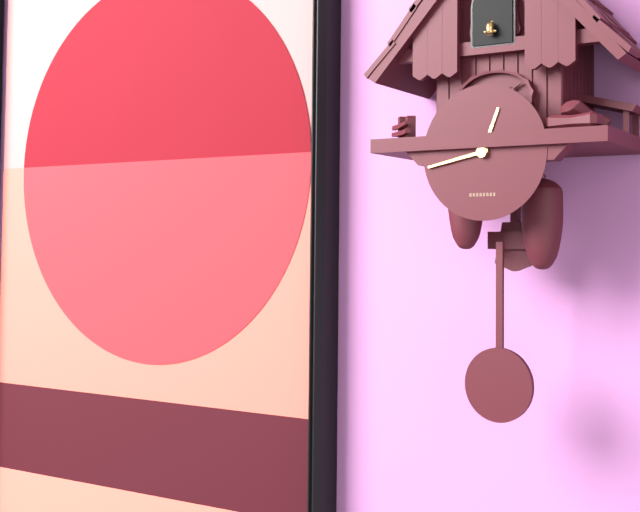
**12:43**
